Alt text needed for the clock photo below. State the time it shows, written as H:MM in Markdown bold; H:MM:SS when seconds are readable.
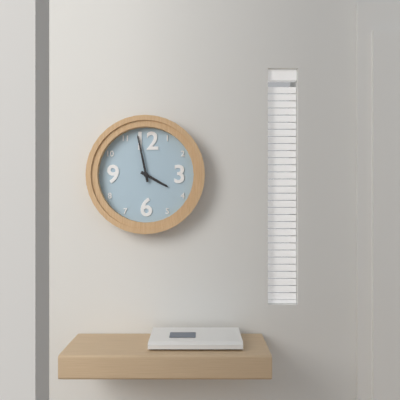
**3:58**
